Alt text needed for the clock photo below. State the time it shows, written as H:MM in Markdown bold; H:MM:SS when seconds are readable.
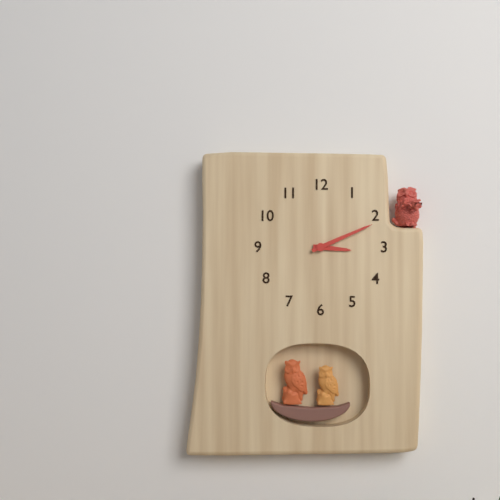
**3:11**
